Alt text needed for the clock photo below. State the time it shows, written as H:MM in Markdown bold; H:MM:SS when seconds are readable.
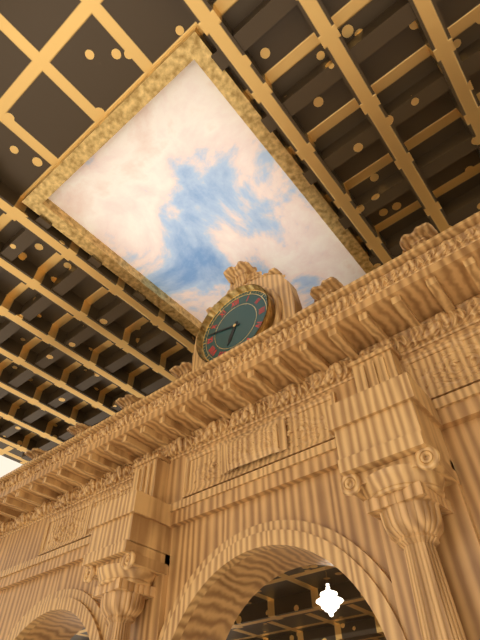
**6:47**
